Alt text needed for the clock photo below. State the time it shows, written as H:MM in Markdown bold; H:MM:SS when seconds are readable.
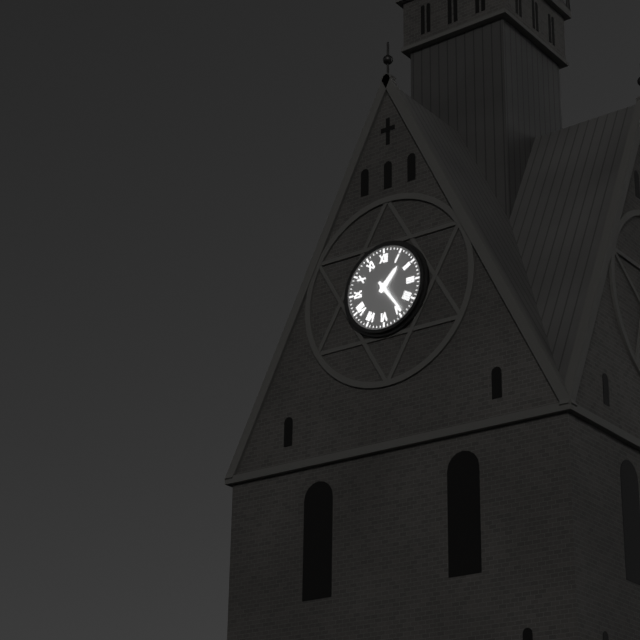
**1:24**
